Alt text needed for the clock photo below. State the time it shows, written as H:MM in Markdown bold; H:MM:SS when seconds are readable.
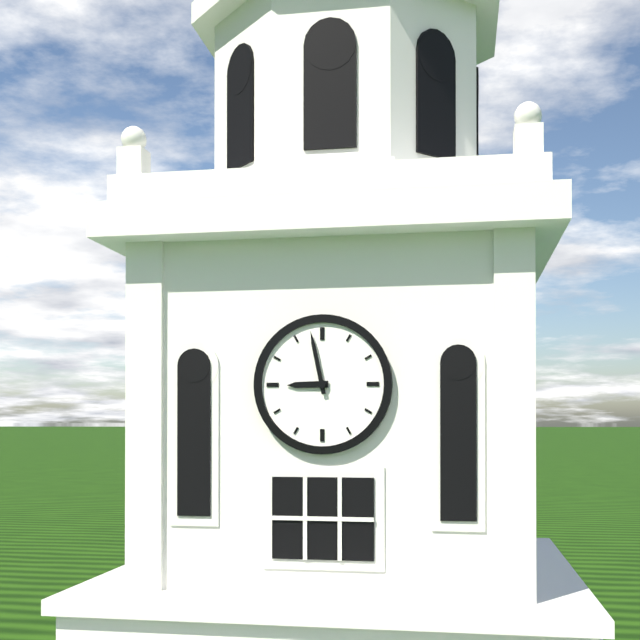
**8:58**
